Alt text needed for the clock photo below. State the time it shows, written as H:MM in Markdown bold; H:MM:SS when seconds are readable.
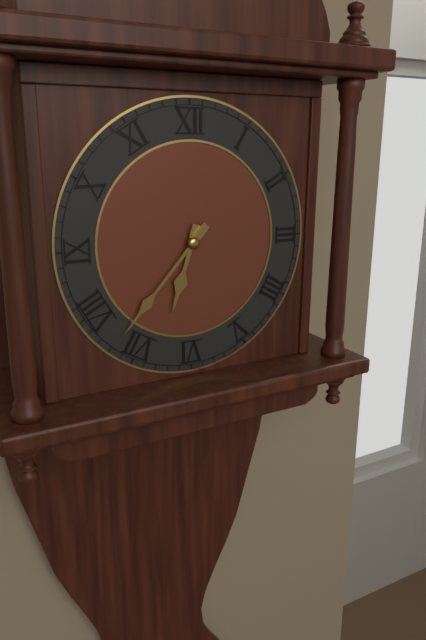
**6:37**
